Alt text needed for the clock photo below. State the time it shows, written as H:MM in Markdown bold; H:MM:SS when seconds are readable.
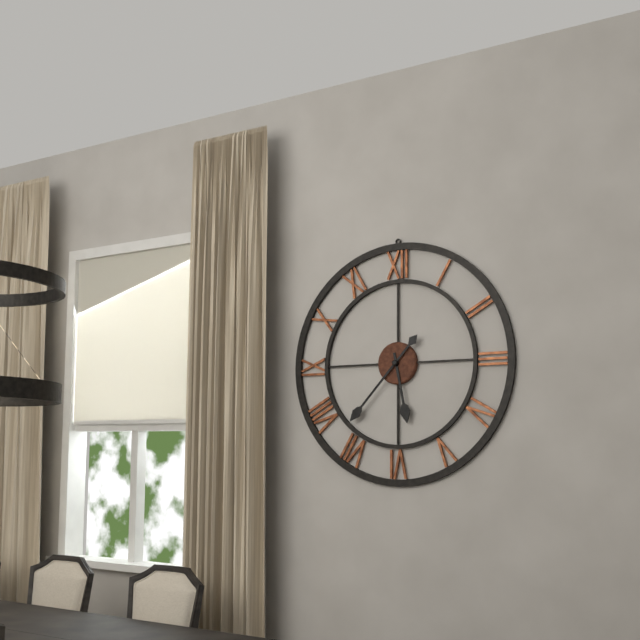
**5:37**
